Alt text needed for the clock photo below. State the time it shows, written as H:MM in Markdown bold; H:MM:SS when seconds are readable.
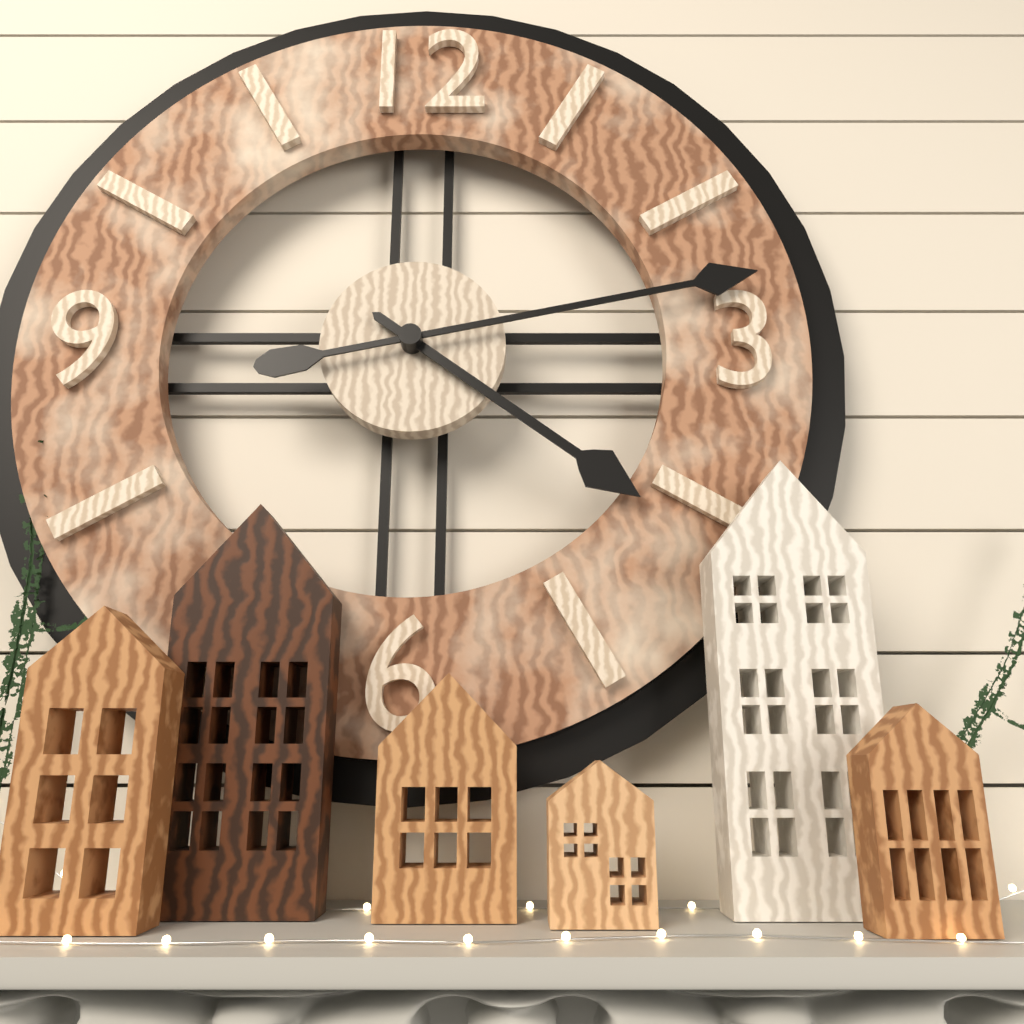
**4:13**
